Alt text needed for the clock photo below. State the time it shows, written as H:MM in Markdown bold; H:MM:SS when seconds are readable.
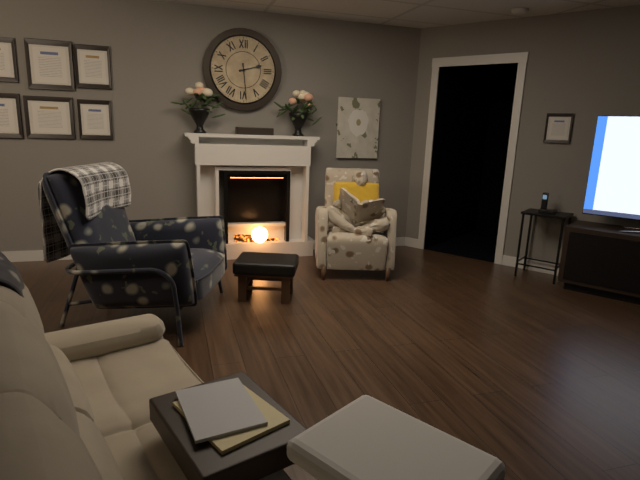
**2:29**
